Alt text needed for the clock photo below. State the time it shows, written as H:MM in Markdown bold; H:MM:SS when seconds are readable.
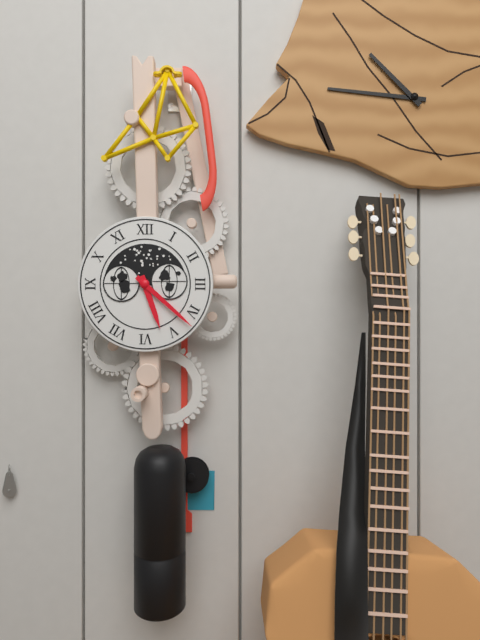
**5:22**
